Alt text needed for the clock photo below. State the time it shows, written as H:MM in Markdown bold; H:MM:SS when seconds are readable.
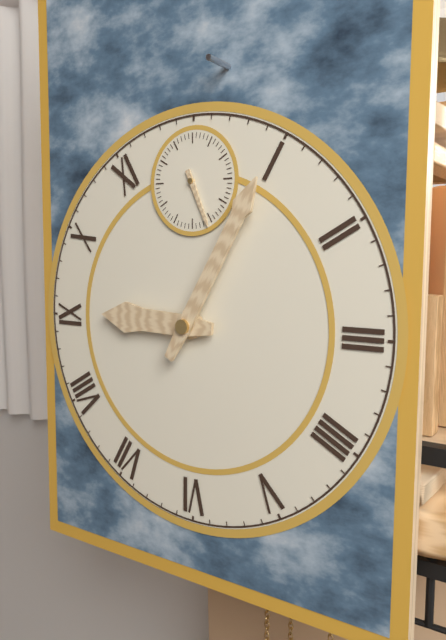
**9:05:26**
